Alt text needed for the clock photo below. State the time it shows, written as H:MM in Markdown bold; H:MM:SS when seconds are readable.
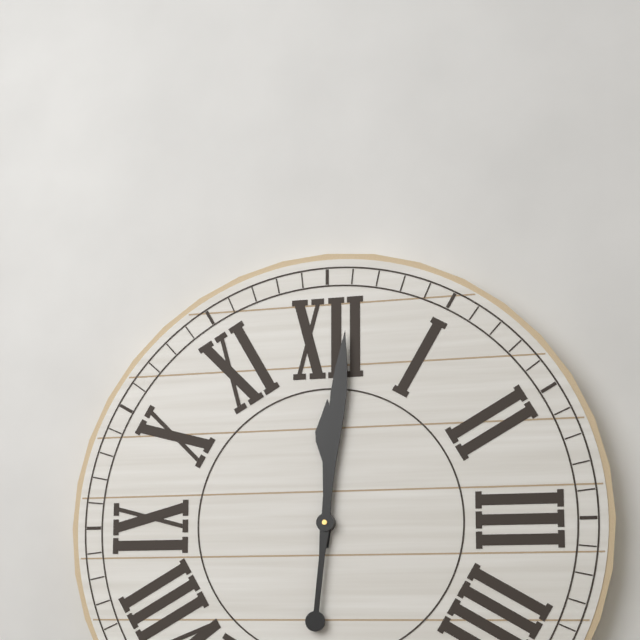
**12:01**
